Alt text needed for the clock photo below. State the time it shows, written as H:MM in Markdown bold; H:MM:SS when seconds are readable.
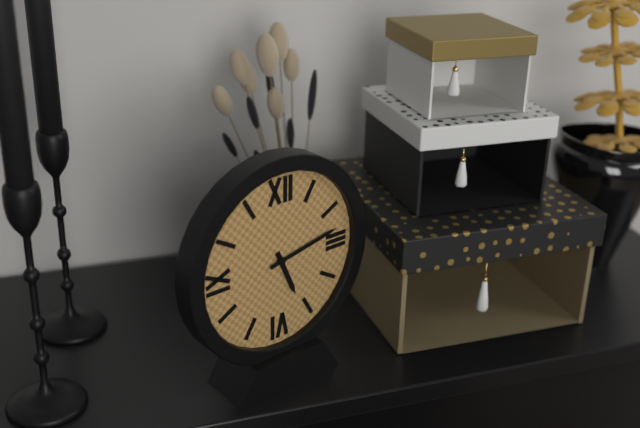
**5:13**
